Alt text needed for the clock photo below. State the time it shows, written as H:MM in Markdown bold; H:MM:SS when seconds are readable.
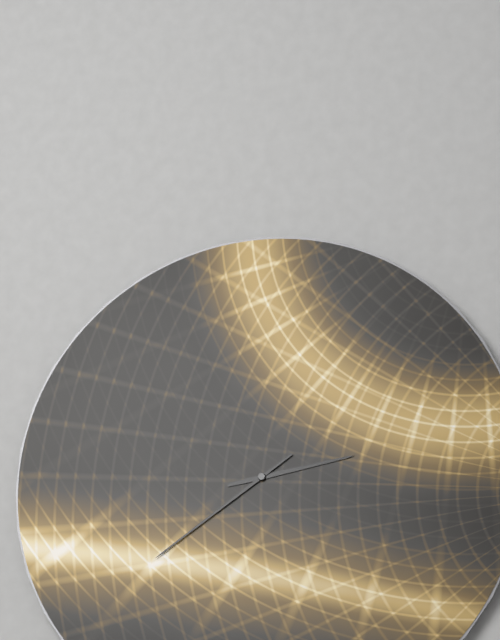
**2:39**
